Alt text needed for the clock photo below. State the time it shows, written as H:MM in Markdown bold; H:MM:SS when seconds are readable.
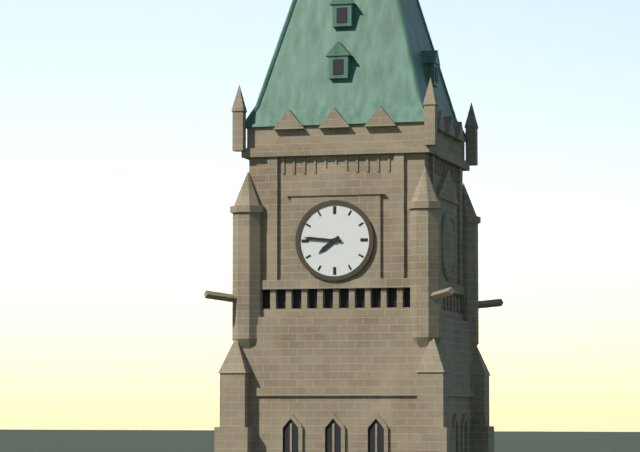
**7:46**
